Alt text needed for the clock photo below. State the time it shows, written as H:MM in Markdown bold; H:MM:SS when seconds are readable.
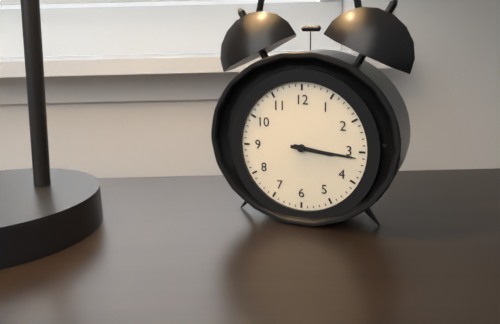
**3:16**
